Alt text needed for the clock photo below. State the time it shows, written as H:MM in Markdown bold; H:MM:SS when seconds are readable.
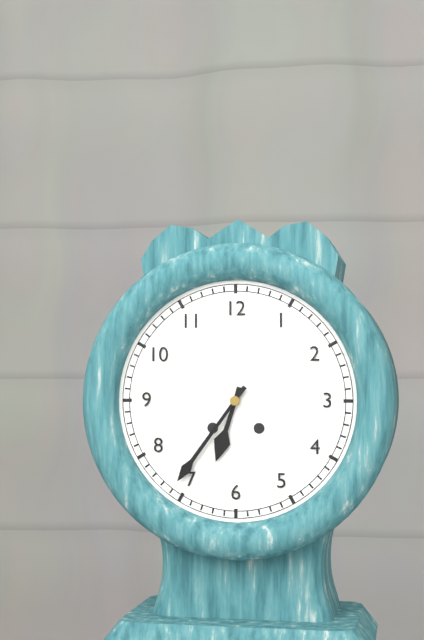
**6:36**
